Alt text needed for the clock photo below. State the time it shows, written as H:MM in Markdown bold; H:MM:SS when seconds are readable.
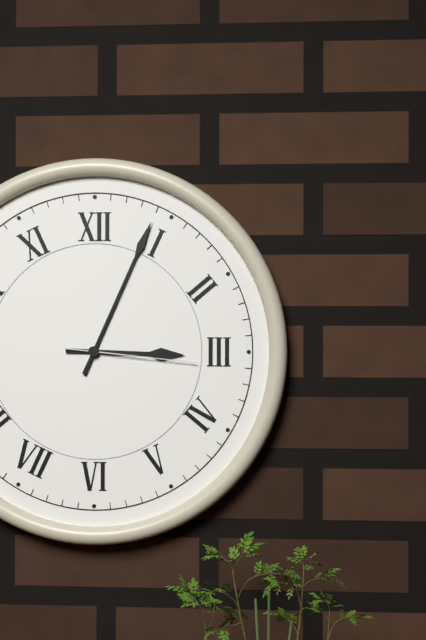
**3:04:16**
